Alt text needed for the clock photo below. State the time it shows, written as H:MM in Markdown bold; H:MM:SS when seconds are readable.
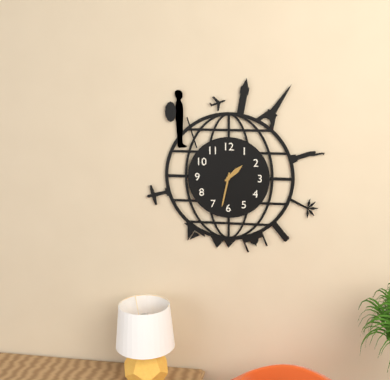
**1:32**
